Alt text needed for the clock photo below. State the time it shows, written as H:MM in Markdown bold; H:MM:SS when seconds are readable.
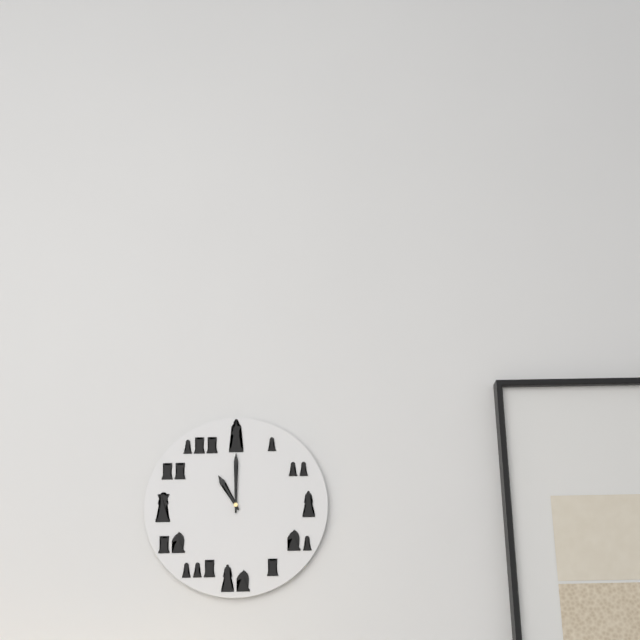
**11:00**
